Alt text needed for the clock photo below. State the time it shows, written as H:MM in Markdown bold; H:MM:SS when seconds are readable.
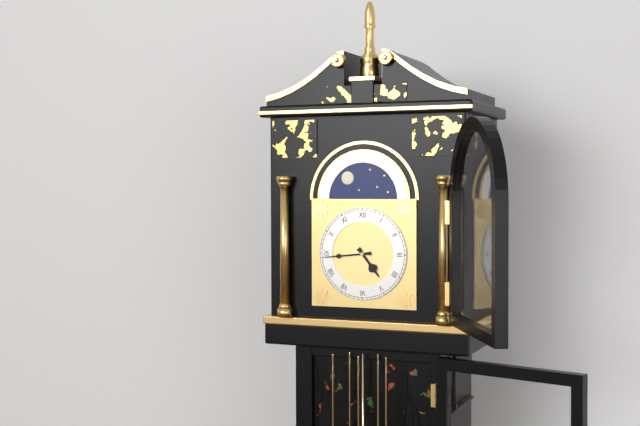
**4:44**
